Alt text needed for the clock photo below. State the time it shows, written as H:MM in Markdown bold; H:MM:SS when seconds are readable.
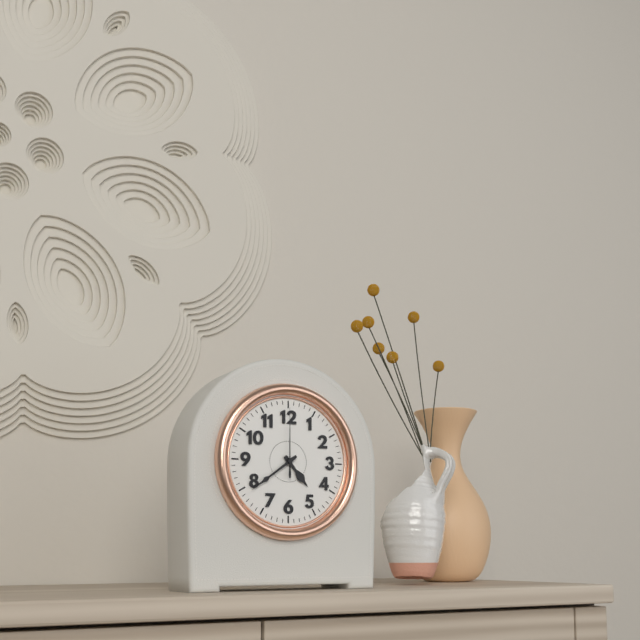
**4:39:00**
